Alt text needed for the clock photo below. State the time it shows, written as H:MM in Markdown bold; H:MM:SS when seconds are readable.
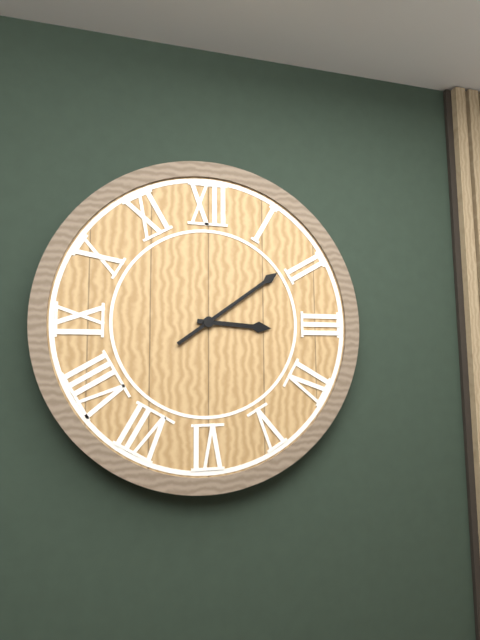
**3:09**
